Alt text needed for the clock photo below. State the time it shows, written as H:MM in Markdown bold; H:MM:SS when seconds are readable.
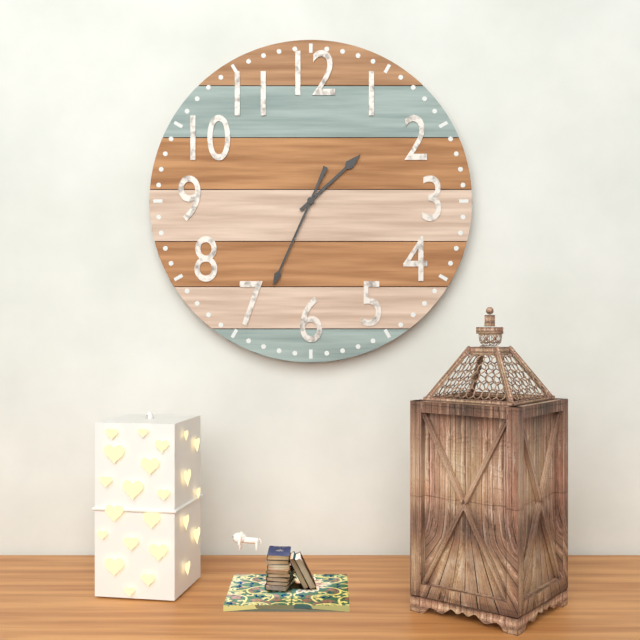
**1:34**
